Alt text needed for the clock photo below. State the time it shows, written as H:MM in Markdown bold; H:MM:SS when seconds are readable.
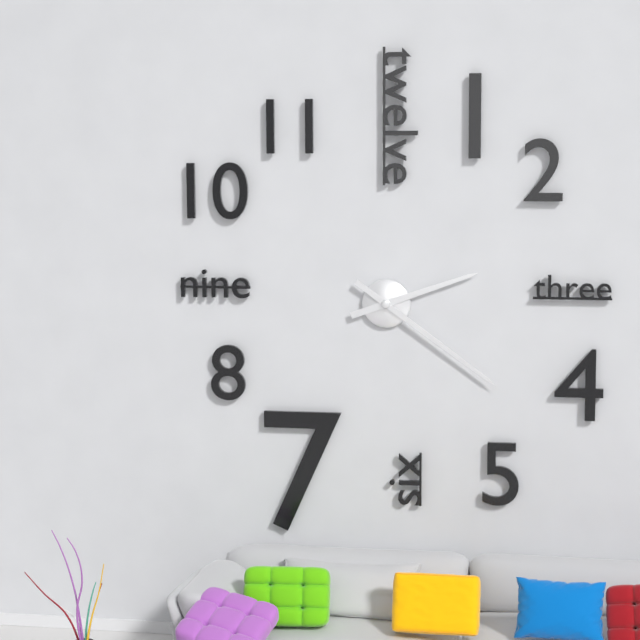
**2:21**
